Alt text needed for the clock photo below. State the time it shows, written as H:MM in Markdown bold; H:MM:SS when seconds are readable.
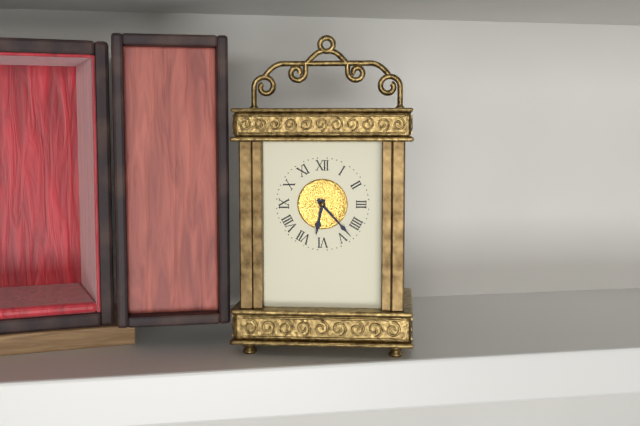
**6:23**
